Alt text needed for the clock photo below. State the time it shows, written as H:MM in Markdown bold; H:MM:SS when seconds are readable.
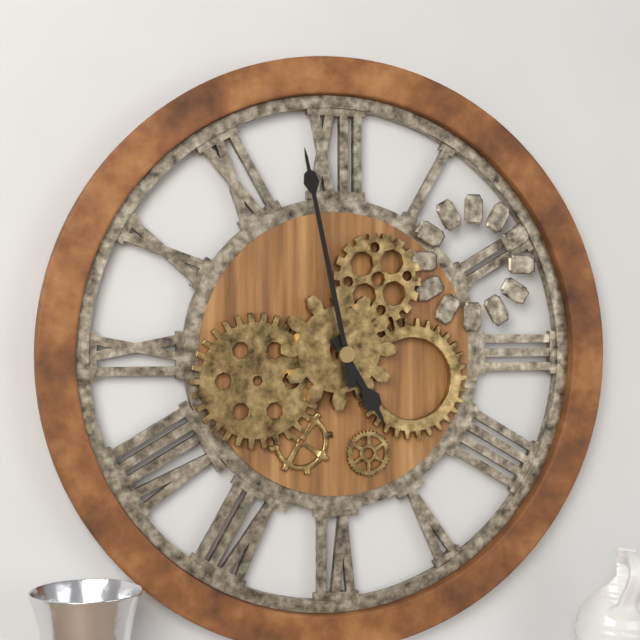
**4:58**
